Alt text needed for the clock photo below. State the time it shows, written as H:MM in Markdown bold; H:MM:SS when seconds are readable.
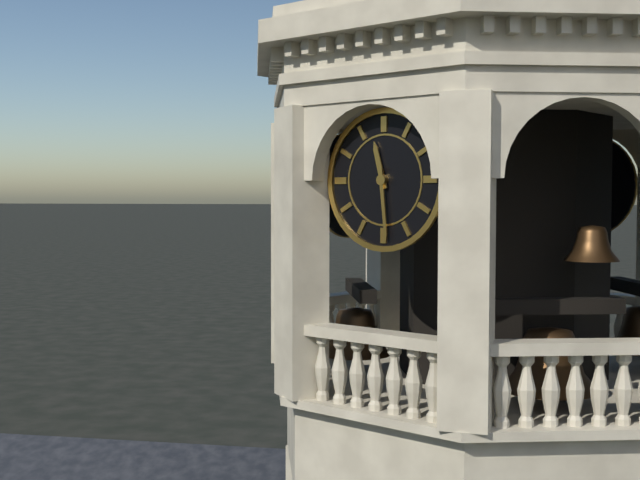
**11:29**
